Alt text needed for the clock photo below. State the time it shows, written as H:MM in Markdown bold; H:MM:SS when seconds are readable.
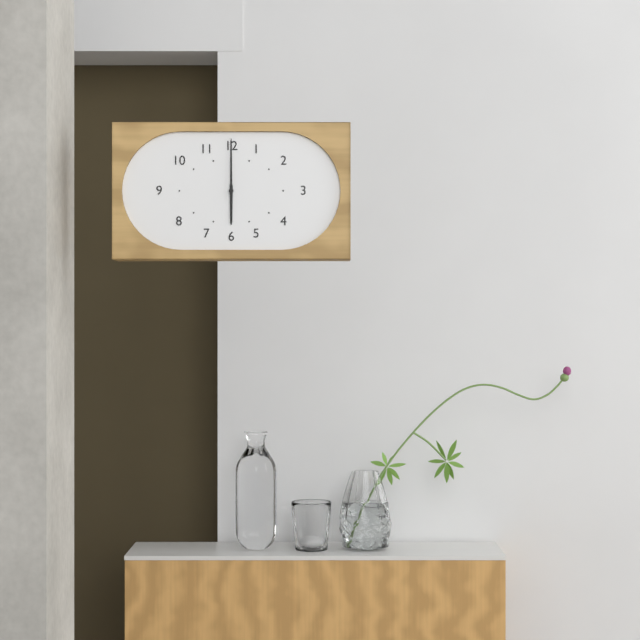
**6:00**
